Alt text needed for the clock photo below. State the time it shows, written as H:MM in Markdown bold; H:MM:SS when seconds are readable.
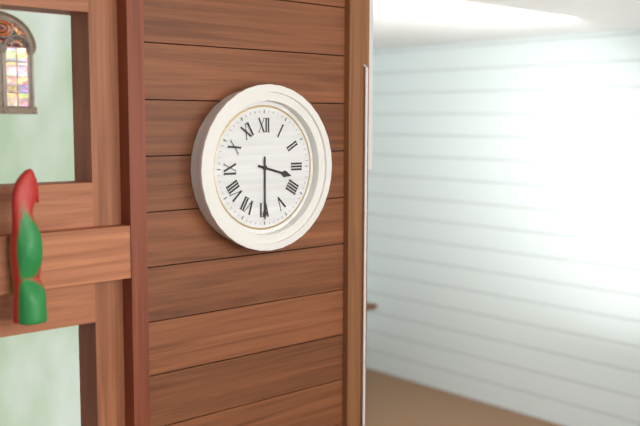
**3:30**
